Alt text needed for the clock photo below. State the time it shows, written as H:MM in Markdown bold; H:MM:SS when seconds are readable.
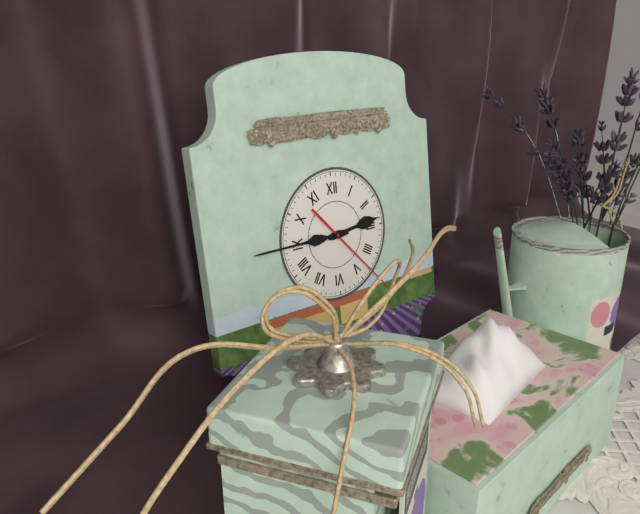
**2:45:23**
